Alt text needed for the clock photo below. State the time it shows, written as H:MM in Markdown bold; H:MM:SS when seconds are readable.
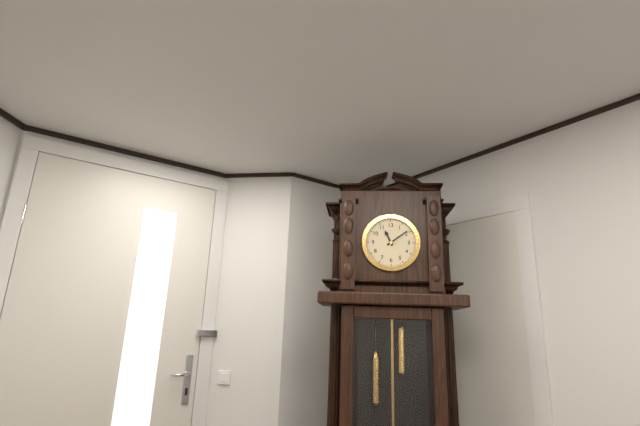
**11:09**
